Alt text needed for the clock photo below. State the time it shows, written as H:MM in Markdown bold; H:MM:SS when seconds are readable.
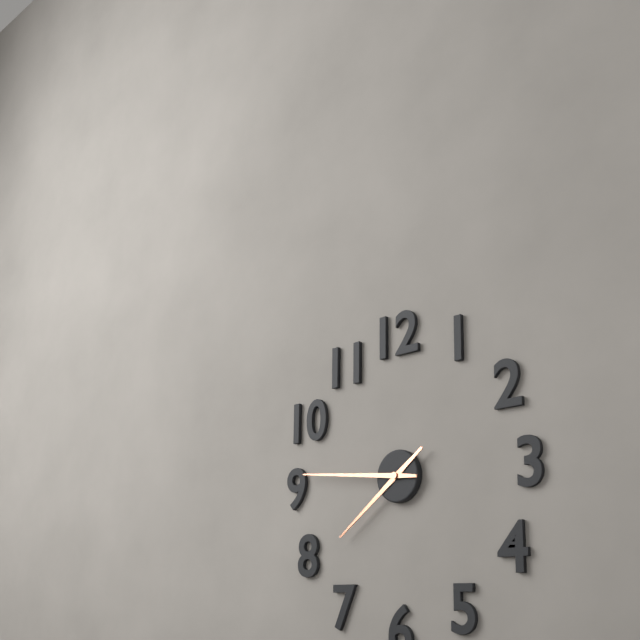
**7:46**
